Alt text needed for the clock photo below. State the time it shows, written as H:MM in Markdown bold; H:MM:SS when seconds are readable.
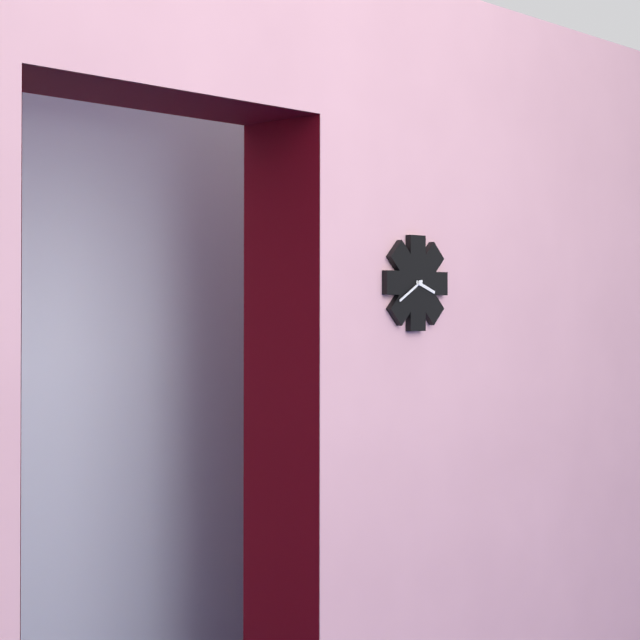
**3:40**
